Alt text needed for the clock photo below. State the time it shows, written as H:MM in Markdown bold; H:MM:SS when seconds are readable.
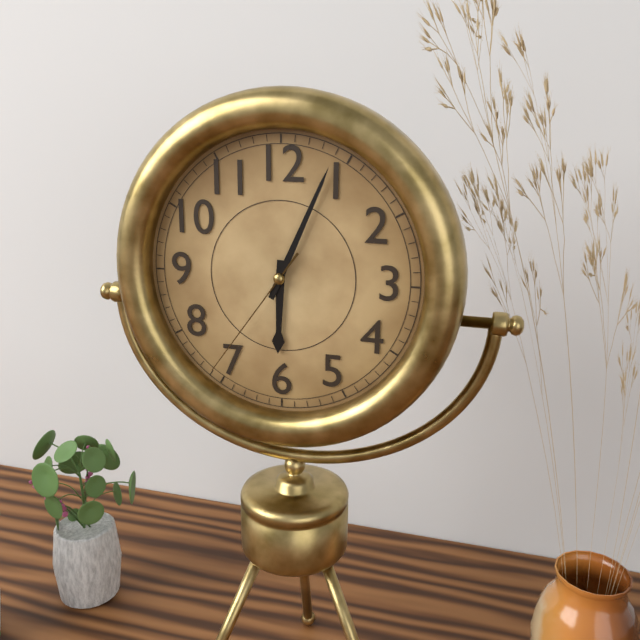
**6:04:36**
